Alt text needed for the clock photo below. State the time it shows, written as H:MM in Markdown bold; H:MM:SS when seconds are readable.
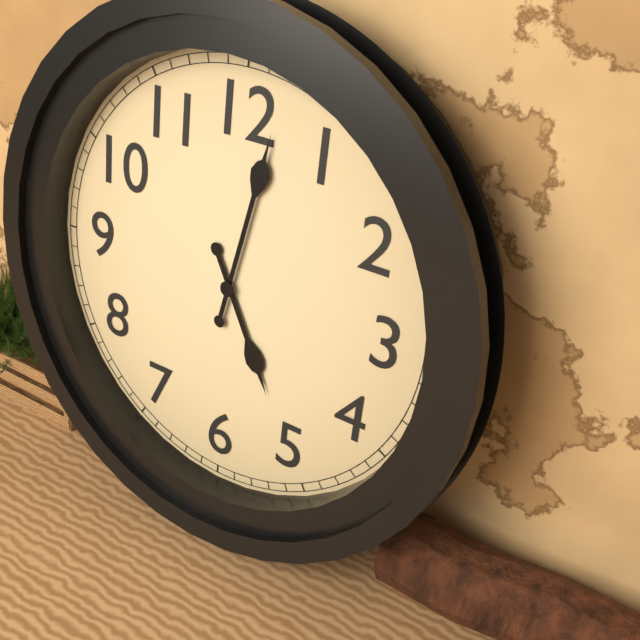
**5:02**
